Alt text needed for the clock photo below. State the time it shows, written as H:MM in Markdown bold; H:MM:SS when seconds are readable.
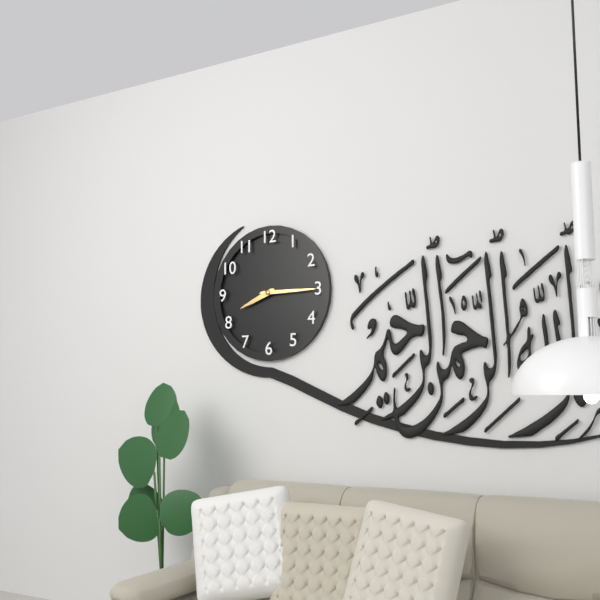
**8:15**
